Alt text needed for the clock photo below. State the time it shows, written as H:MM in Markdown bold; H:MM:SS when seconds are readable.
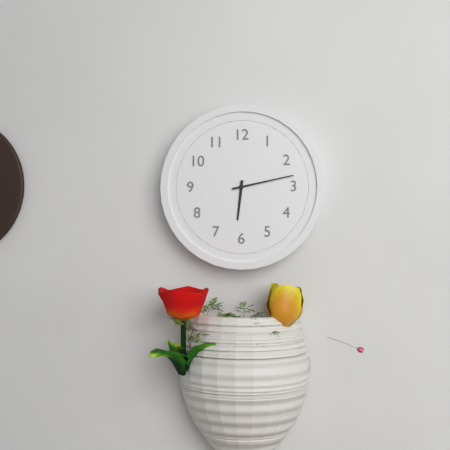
**6:13**
